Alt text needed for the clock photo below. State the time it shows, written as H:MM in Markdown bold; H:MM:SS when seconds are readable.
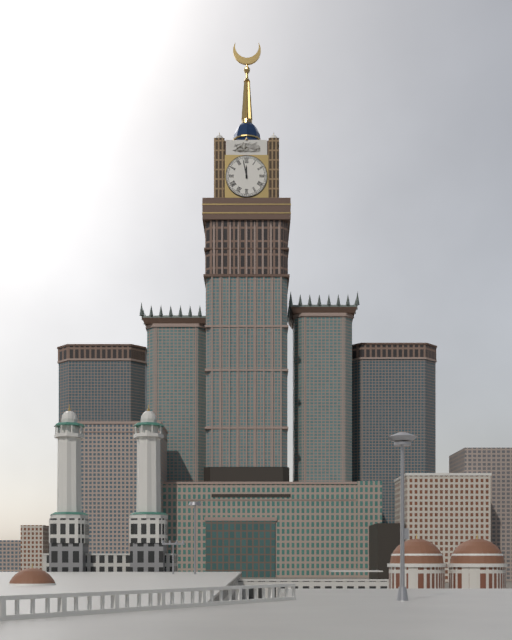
**11:58**
